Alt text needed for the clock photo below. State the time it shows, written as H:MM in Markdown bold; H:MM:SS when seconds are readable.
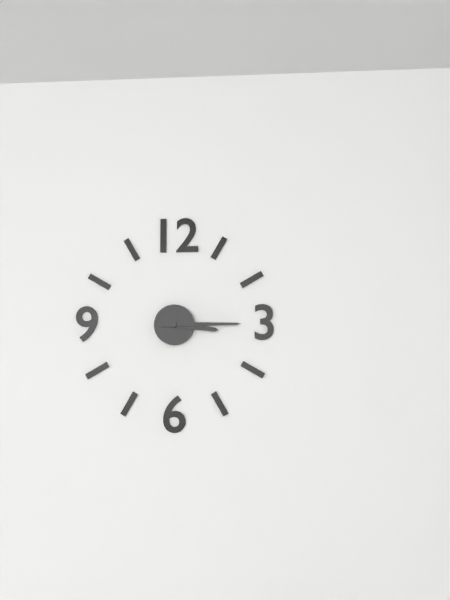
**3:15**
